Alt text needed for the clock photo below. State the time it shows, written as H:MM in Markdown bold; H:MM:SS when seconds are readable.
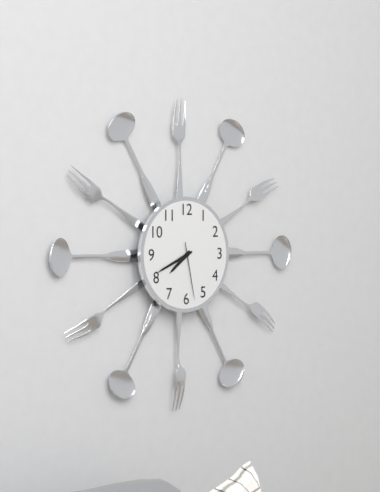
**7:41:28**
